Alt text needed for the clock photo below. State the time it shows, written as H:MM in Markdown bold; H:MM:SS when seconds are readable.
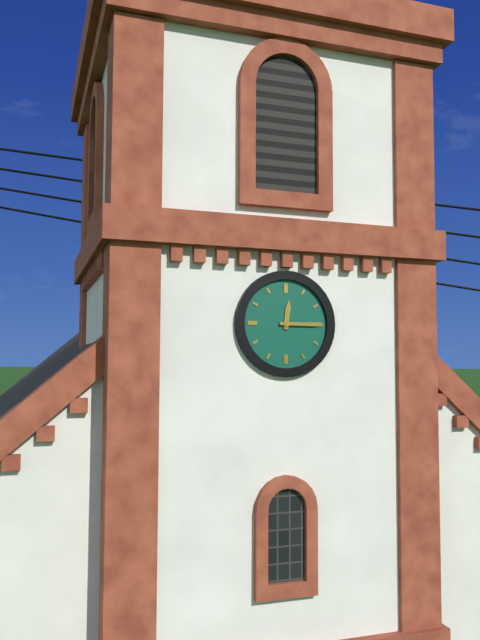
**12:15**
